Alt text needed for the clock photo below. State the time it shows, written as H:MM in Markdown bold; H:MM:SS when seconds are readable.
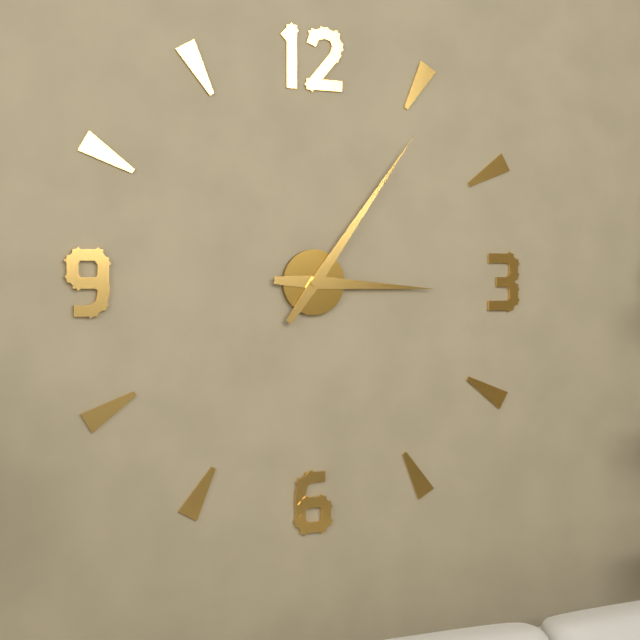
**3:06**
